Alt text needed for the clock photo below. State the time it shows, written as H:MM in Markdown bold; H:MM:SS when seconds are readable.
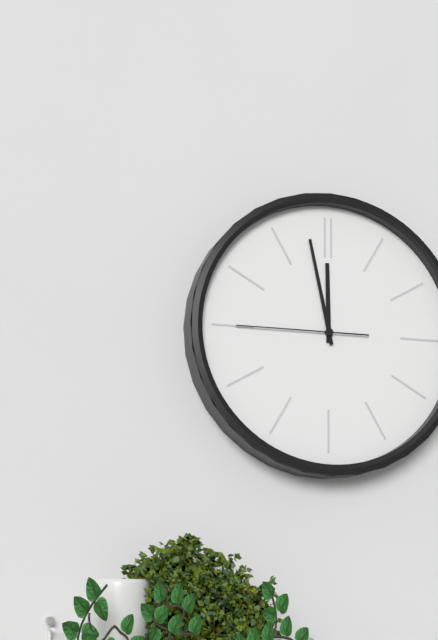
**11:58:45**
